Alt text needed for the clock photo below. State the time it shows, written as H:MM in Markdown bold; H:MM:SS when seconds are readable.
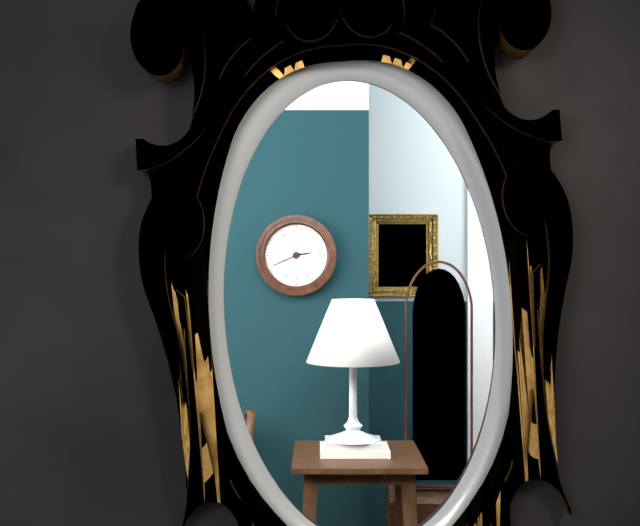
**2:41**
